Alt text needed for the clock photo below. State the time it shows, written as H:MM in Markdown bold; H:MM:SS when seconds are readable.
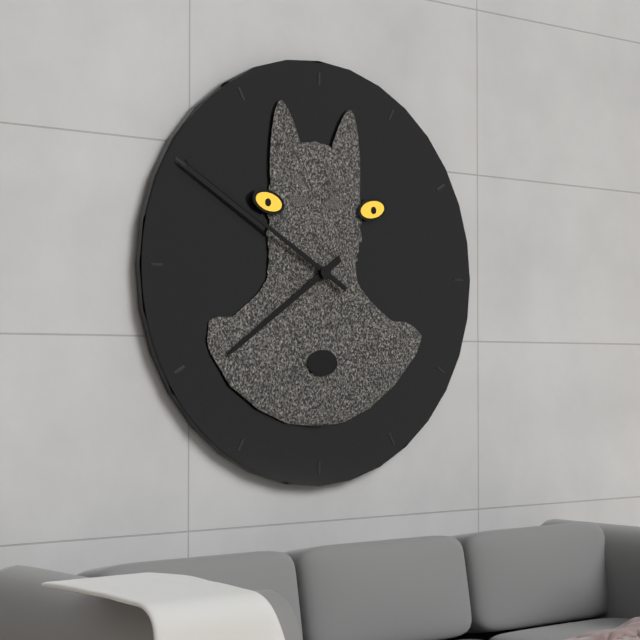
**7:50**
